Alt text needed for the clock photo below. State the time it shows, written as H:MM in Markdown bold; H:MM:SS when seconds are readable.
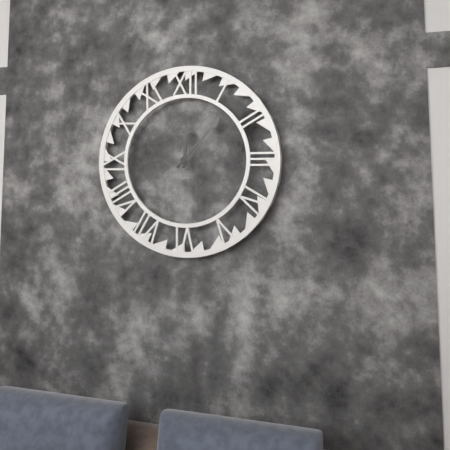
**12:07**
